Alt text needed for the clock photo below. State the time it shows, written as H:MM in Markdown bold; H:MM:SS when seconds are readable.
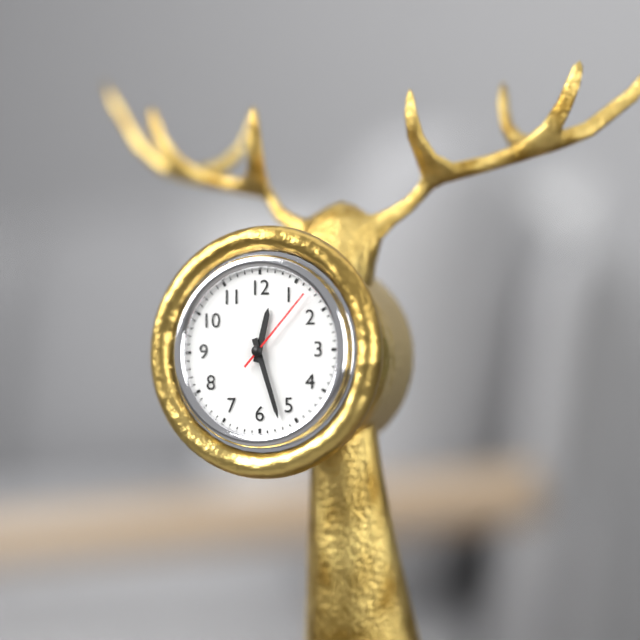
**12:27:07**
